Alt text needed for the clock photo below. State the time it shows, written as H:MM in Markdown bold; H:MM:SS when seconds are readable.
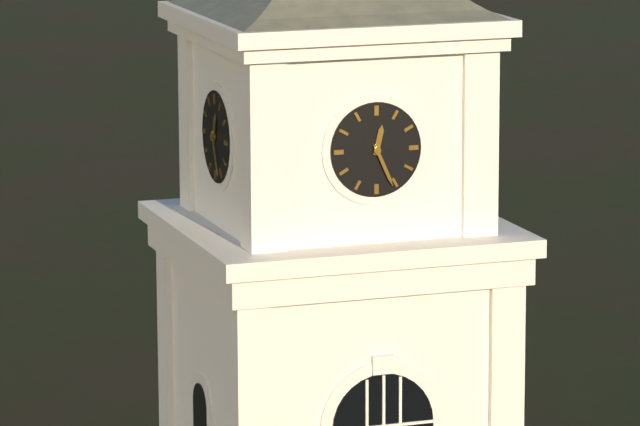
**12:26**
